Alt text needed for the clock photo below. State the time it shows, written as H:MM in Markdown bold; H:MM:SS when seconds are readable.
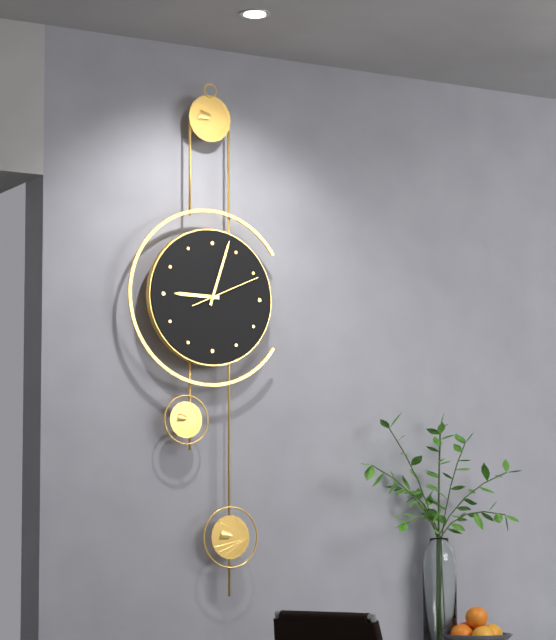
**9:03:11**
